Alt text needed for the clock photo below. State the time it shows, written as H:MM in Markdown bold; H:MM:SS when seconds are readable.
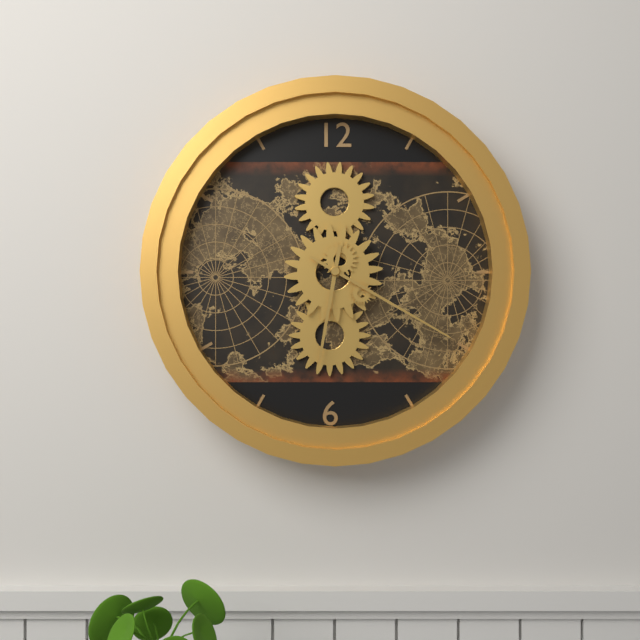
**6:20**
